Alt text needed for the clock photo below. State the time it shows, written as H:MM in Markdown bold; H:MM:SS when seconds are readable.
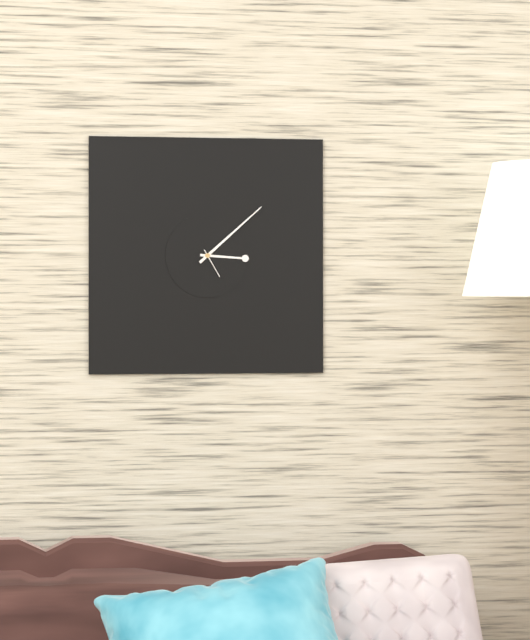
**3:08**
